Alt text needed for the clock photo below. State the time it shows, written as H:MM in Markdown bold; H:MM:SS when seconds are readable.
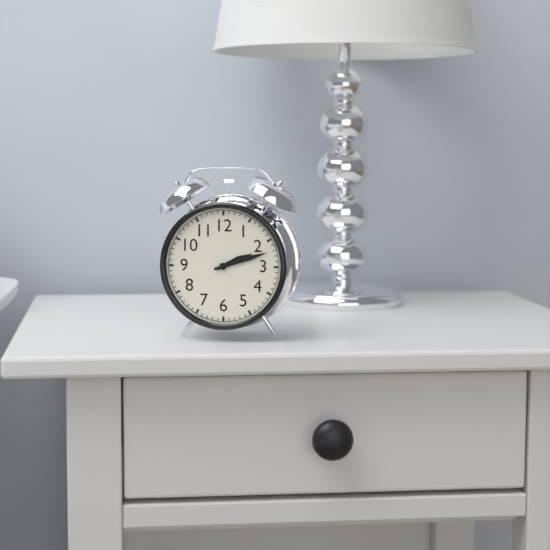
**2:12**
